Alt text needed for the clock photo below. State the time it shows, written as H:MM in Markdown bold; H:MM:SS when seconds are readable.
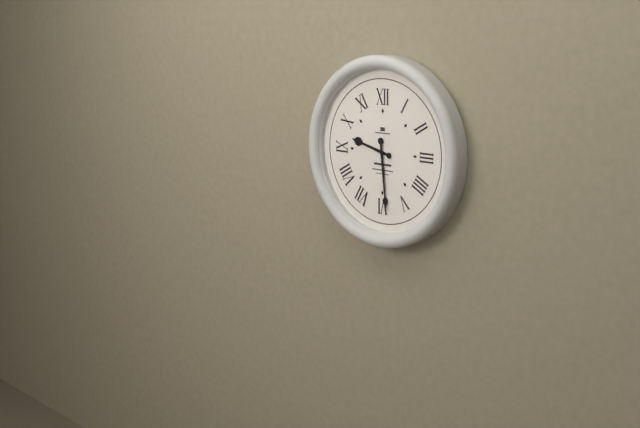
**9:29**
